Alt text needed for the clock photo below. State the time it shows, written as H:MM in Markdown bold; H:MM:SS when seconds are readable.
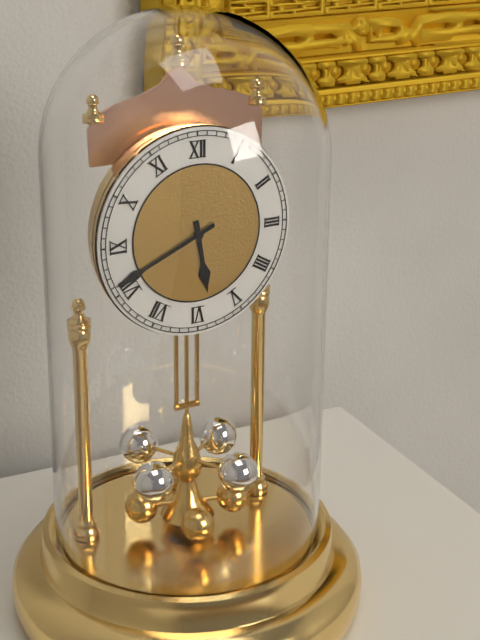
**5:41**
